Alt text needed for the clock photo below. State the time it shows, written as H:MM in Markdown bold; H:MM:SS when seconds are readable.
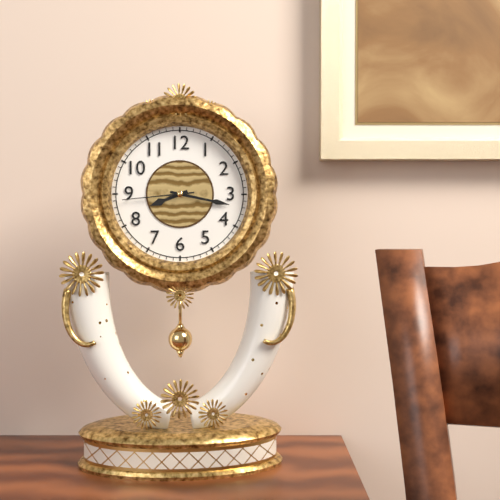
**8:17:44**
